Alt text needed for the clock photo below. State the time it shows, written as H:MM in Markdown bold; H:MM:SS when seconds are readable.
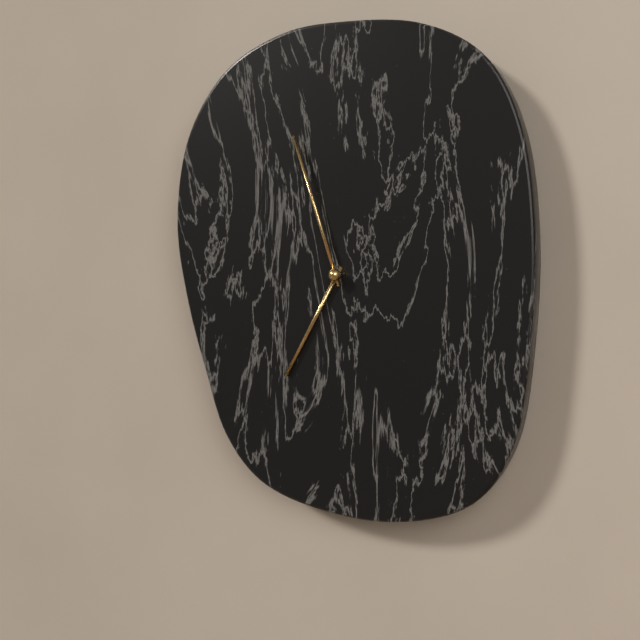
**6:57**
